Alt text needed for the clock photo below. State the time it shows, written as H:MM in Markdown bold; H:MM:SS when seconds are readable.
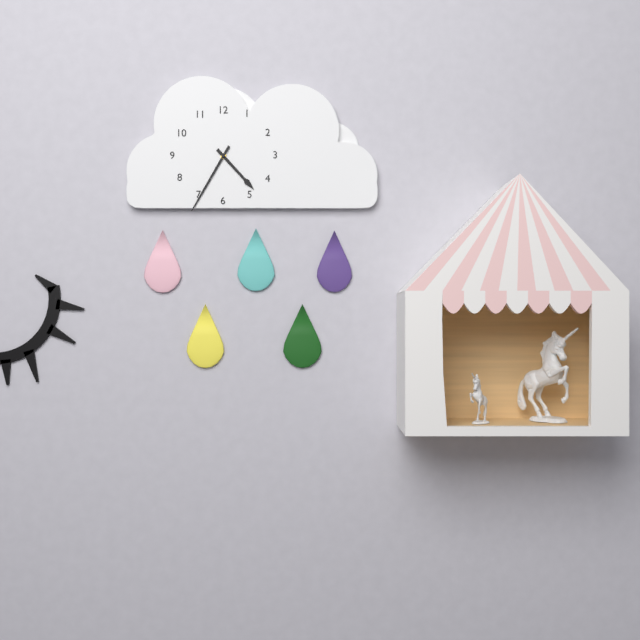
**4:35**
